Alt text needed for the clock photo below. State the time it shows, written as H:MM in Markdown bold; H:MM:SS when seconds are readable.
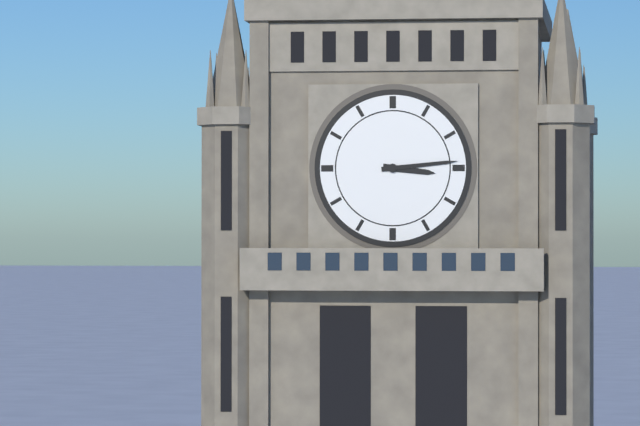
**3:14**
